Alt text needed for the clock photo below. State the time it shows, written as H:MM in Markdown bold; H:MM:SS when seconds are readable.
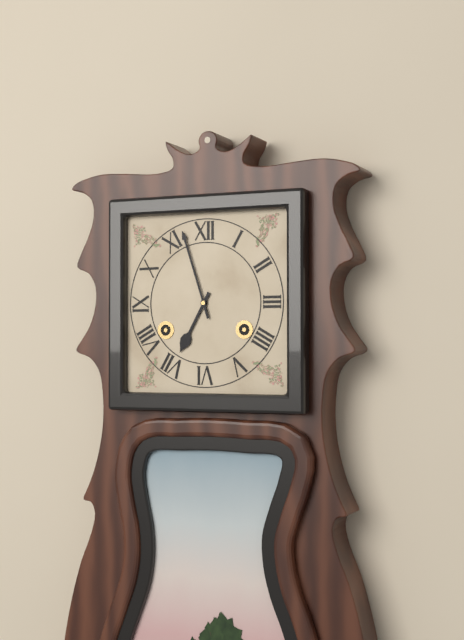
**6:57**
